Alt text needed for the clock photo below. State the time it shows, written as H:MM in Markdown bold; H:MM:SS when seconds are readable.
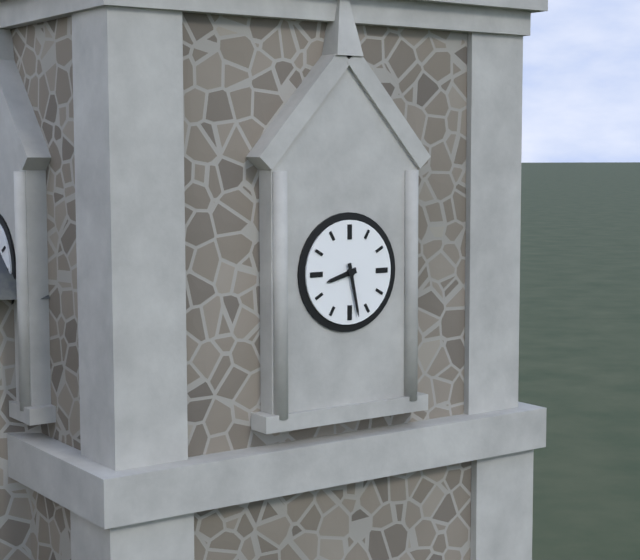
**8:28**
